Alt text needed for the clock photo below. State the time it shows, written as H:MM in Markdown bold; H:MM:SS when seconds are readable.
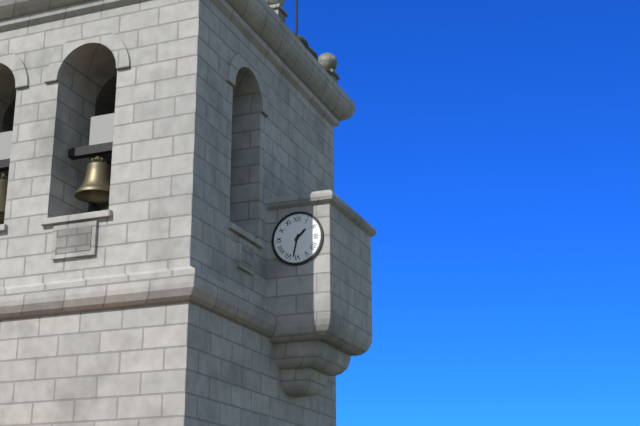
**1:32**
